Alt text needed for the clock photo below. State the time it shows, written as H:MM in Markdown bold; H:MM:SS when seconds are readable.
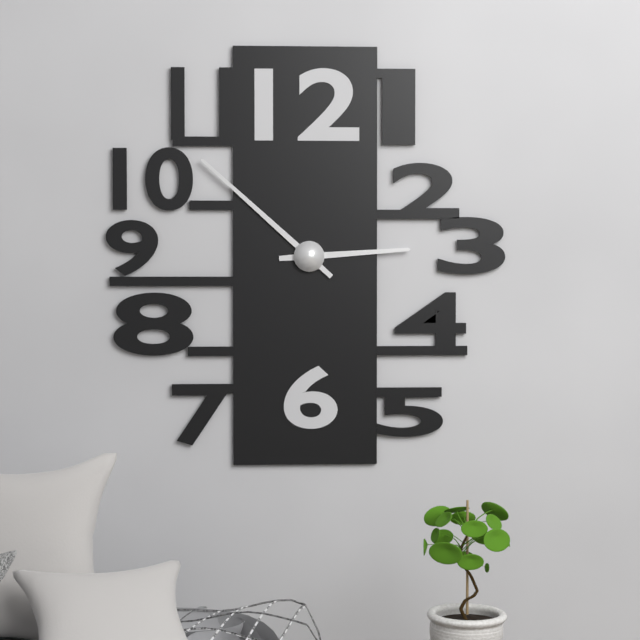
**2:52**
